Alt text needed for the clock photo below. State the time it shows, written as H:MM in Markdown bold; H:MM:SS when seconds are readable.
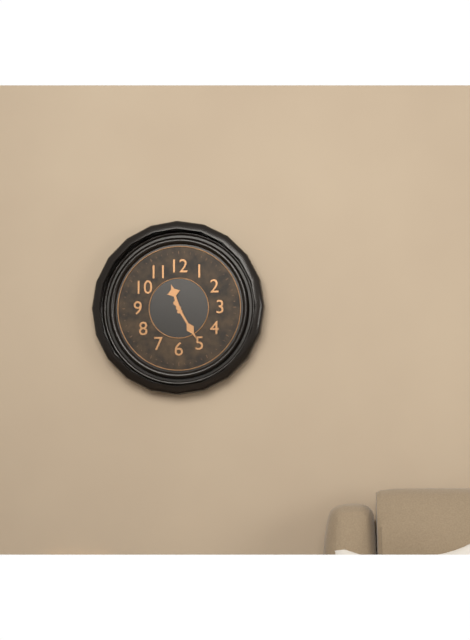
**11:25**
